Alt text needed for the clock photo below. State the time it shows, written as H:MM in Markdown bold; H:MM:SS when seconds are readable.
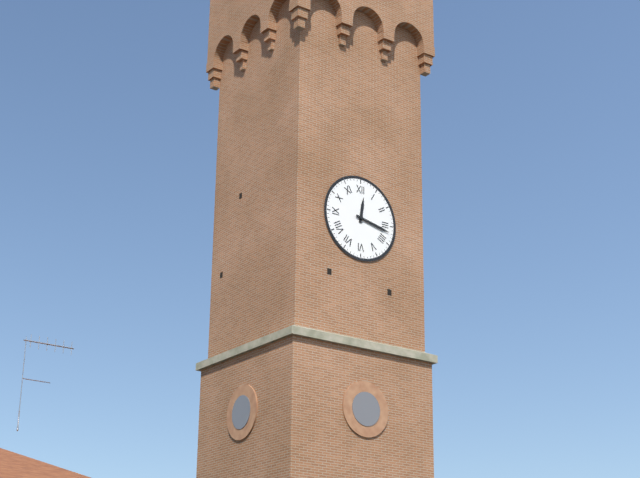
**12:17**
